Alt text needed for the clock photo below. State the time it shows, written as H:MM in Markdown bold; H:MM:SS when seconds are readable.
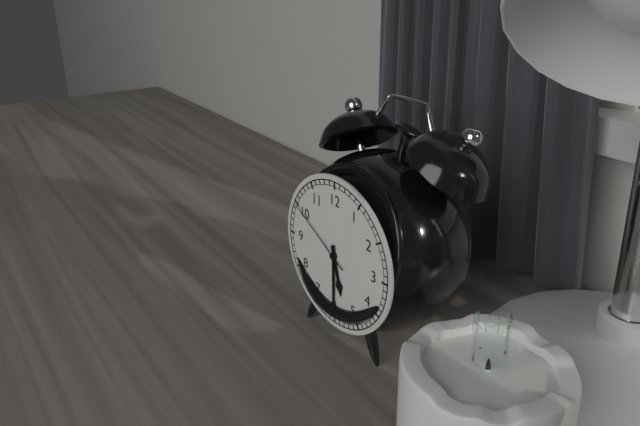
**5:30:50**
